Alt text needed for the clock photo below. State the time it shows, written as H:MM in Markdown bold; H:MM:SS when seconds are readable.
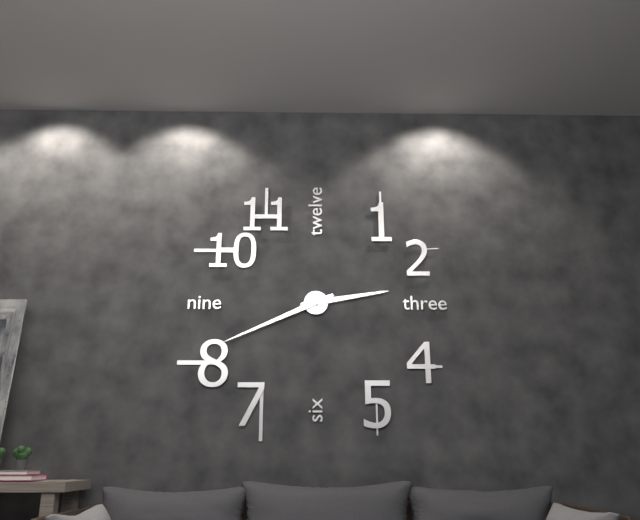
**2:41**
